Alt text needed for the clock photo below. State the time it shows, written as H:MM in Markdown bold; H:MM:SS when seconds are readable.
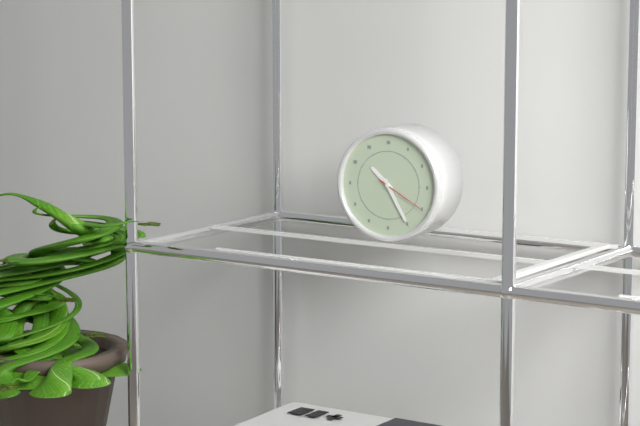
**10:25**
